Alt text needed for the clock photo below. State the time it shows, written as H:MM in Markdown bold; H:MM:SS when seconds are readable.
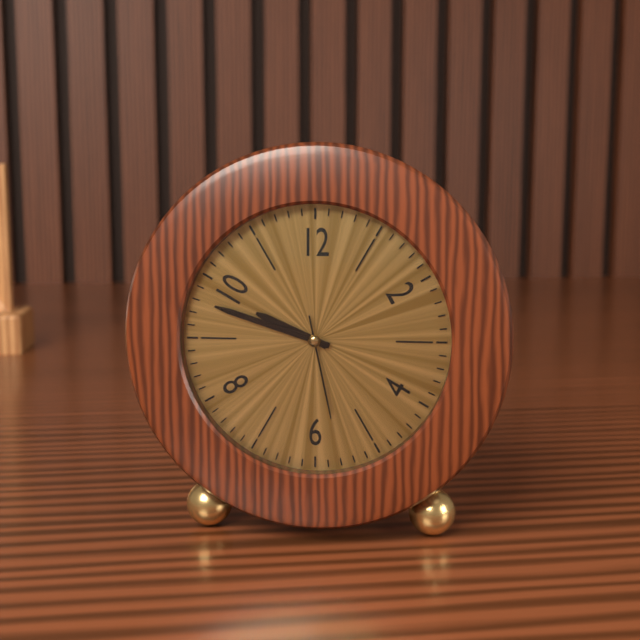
**9:48:28**
